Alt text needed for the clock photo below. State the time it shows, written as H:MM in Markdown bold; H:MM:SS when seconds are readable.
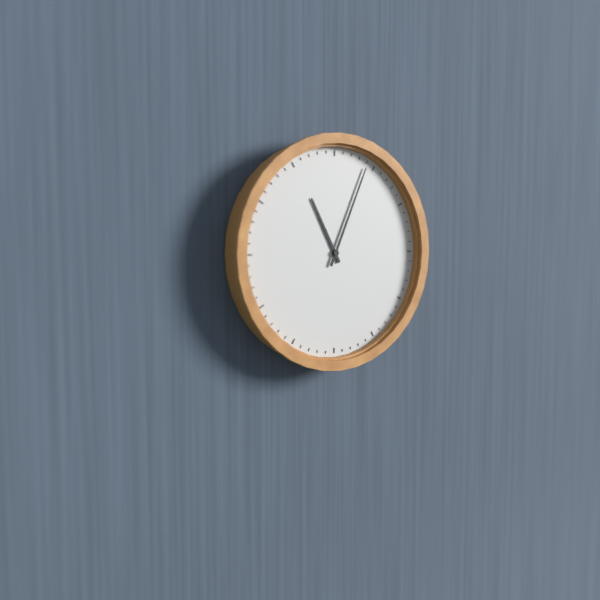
**11:04**
